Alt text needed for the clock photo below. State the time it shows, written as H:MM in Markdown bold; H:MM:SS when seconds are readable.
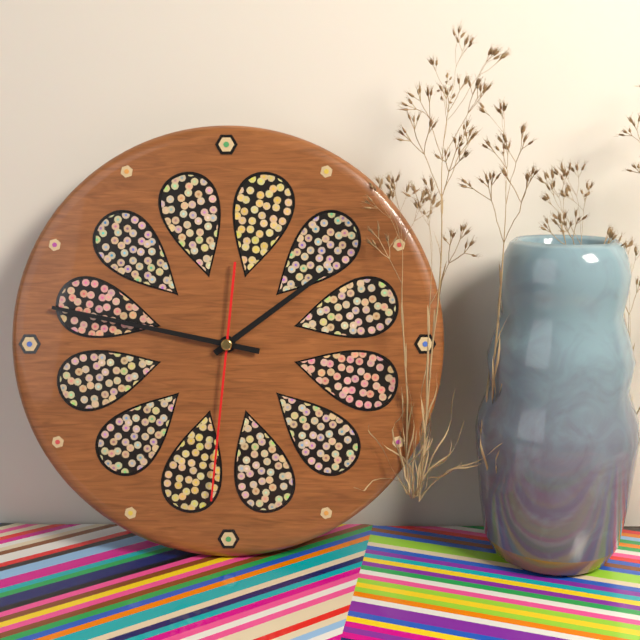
**1:47:31**
